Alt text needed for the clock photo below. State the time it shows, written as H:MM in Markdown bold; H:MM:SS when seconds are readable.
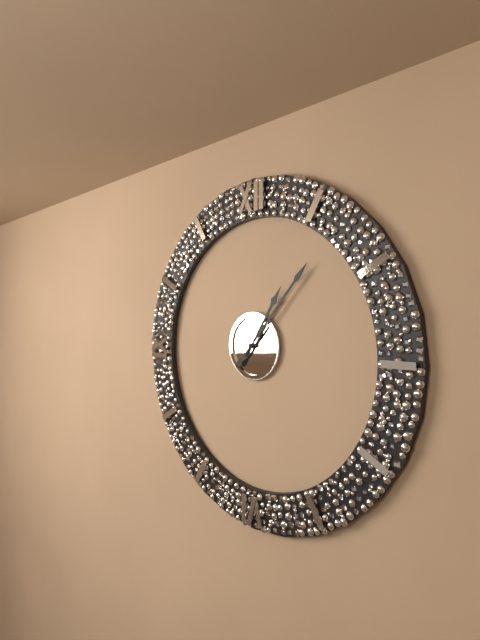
**1:07**
